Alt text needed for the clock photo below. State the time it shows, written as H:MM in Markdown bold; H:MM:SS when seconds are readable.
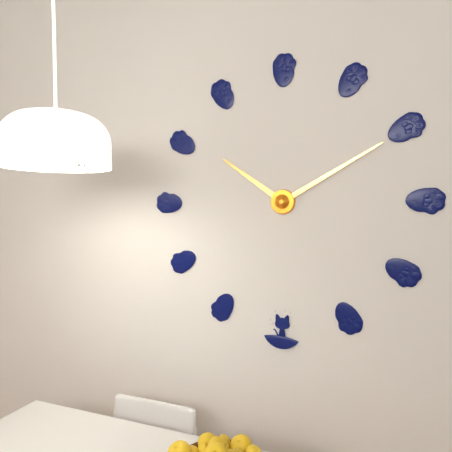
**10:10**
